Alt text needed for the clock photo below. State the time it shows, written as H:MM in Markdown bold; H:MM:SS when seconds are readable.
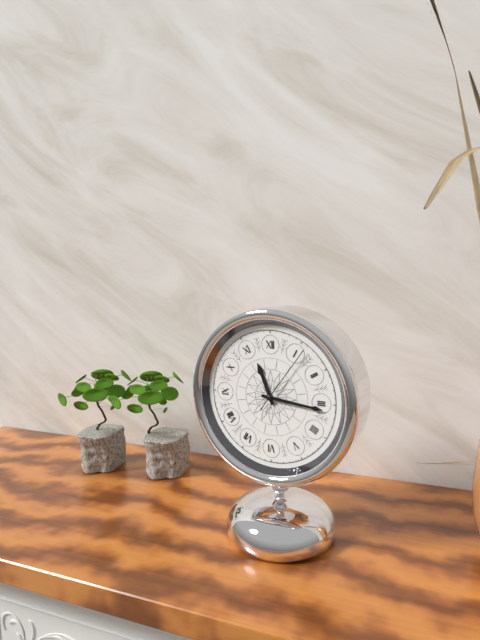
**11:16:06**
